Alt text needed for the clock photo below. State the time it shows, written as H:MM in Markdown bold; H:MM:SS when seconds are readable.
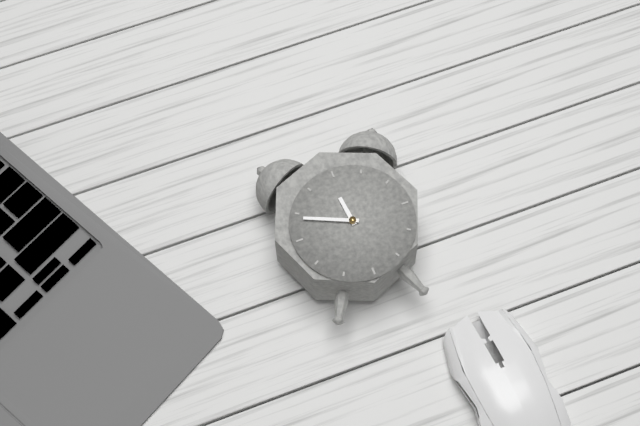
**11:49**
